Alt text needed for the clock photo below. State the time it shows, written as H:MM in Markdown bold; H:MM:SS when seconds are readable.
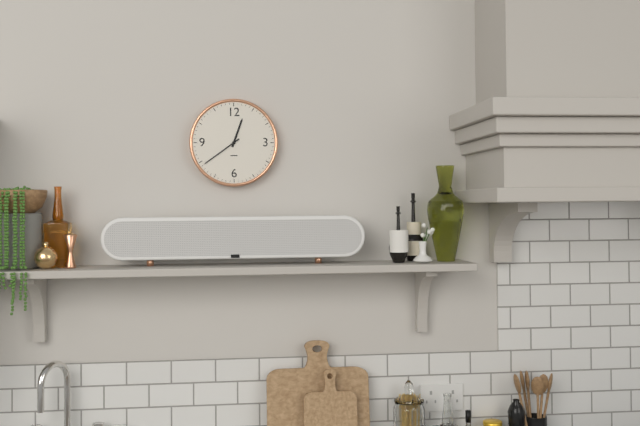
**12:39**
